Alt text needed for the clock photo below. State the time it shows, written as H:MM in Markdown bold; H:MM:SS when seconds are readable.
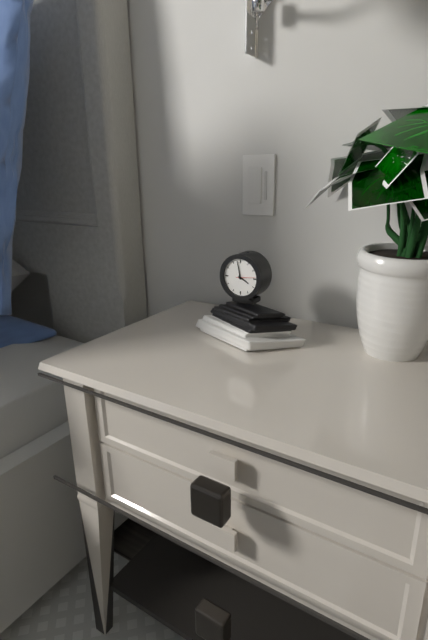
**3:58**
